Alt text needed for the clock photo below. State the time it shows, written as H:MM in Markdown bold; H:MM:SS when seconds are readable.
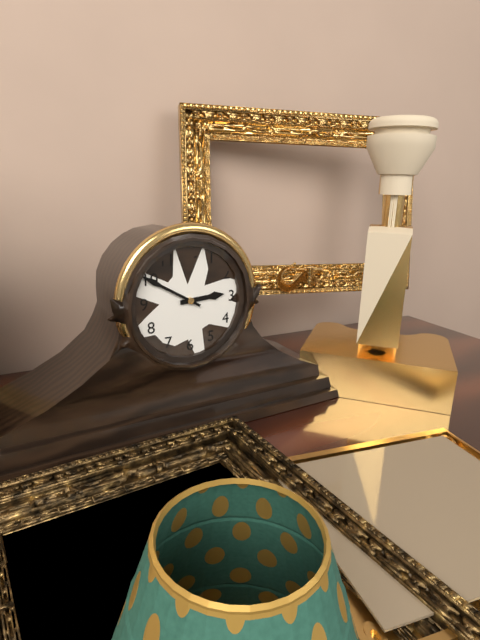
**2:50**
